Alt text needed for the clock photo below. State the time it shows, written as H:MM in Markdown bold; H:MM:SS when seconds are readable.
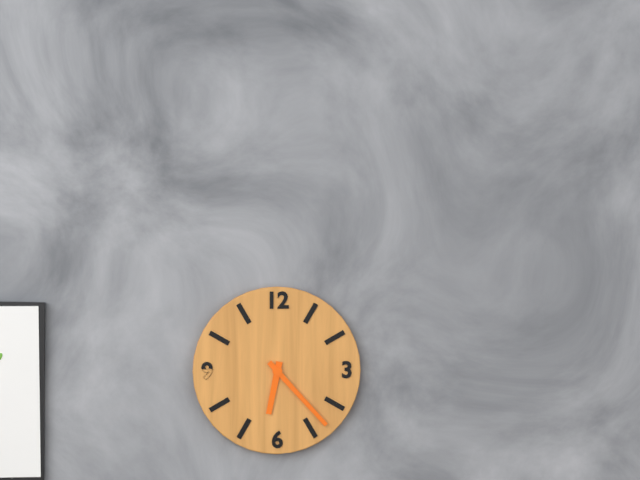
**6:23**
